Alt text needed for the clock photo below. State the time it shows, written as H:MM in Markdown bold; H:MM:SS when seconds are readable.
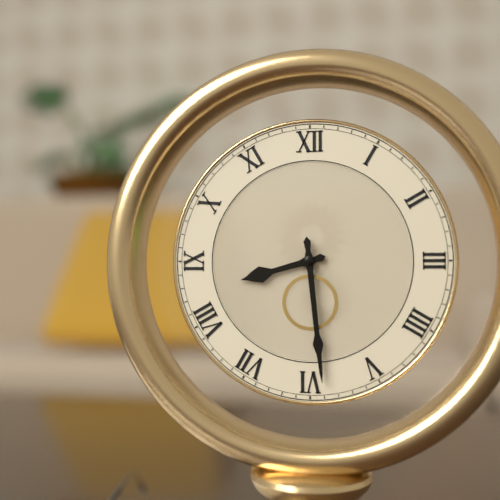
**8:29**
